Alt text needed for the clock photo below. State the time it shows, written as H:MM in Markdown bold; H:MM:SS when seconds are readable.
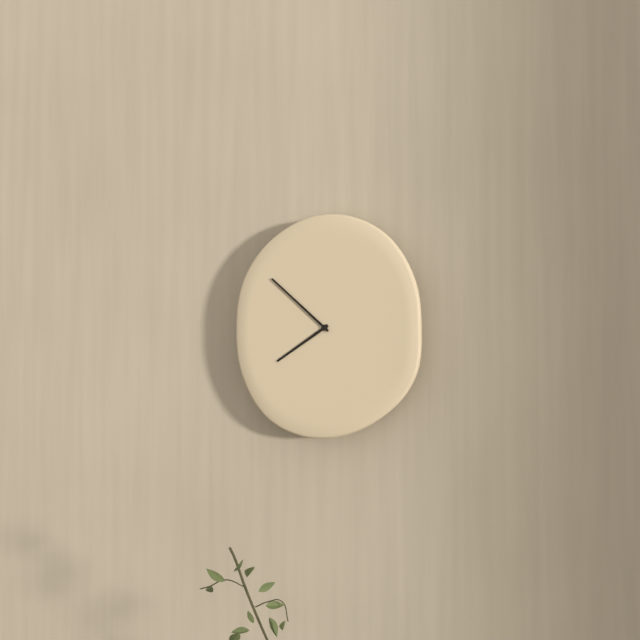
**7:52**
